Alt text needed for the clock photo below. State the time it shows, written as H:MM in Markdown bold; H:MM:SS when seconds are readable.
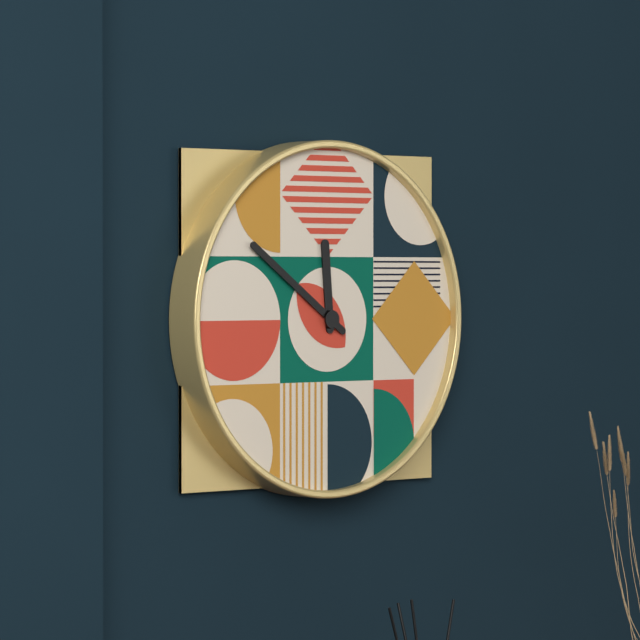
**11:51**
